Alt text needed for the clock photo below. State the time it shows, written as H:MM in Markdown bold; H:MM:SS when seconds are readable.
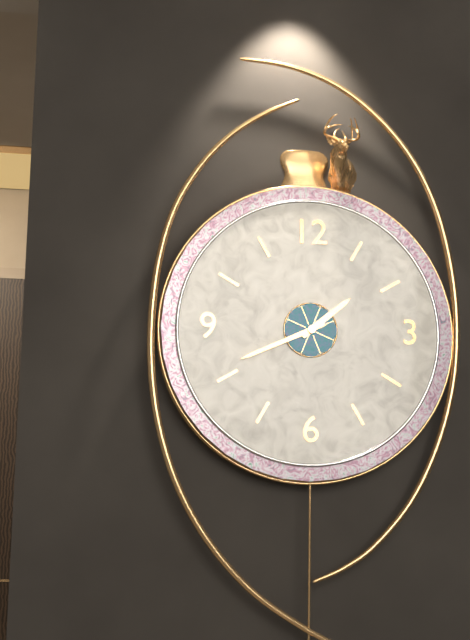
**1:41**
